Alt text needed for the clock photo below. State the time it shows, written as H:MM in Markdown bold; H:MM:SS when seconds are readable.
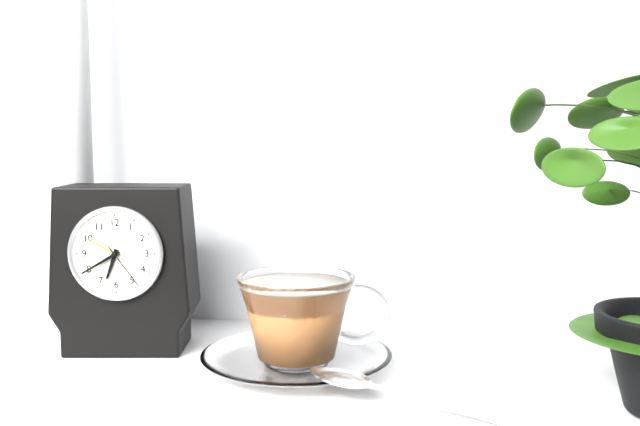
**6:40:24**
